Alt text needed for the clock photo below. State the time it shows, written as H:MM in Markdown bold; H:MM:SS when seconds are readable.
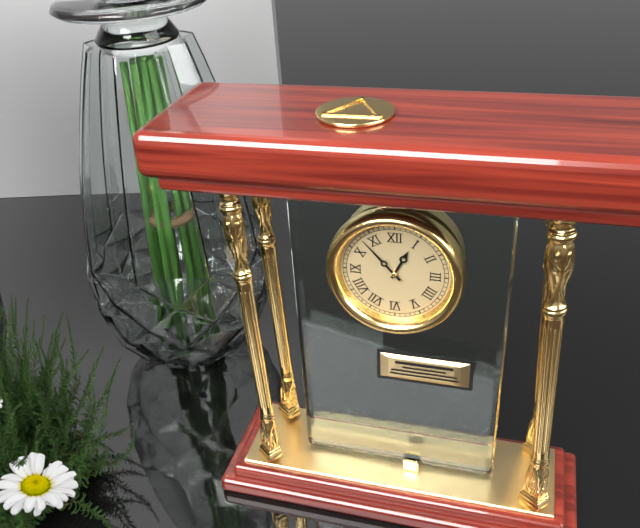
**12:53**
